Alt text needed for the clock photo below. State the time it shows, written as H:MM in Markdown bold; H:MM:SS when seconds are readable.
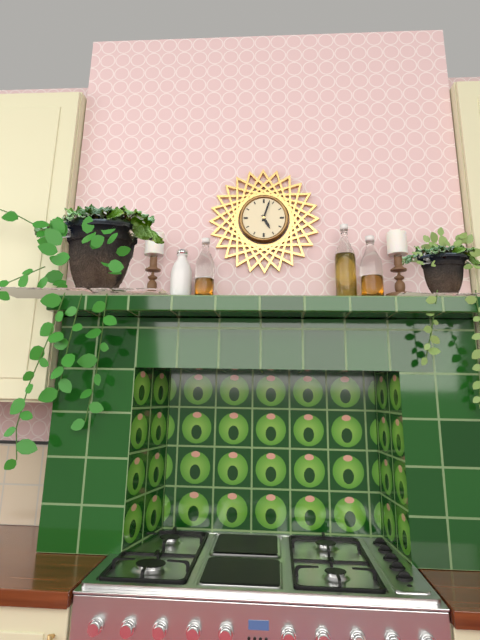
**5:03**
